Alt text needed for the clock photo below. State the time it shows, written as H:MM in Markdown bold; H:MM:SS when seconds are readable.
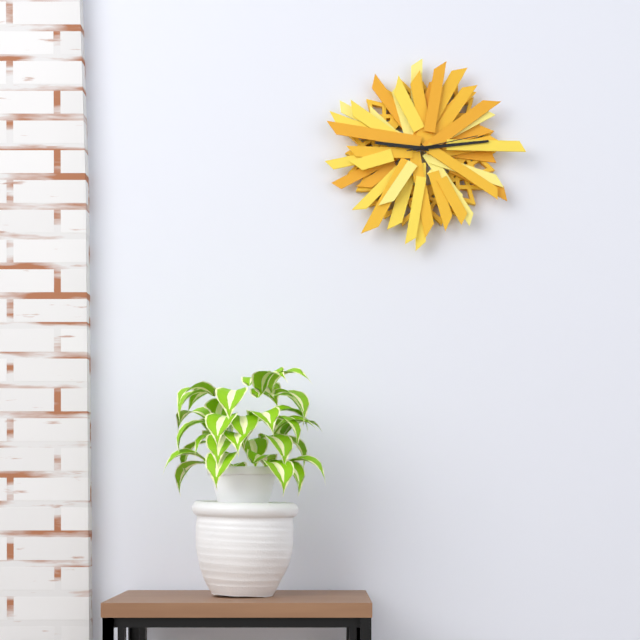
**9:14:13**
